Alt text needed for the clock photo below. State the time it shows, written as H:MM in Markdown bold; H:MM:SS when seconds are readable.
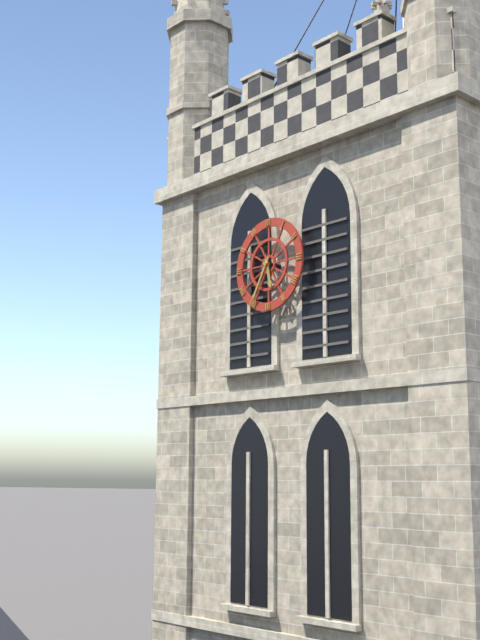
**5:35**
